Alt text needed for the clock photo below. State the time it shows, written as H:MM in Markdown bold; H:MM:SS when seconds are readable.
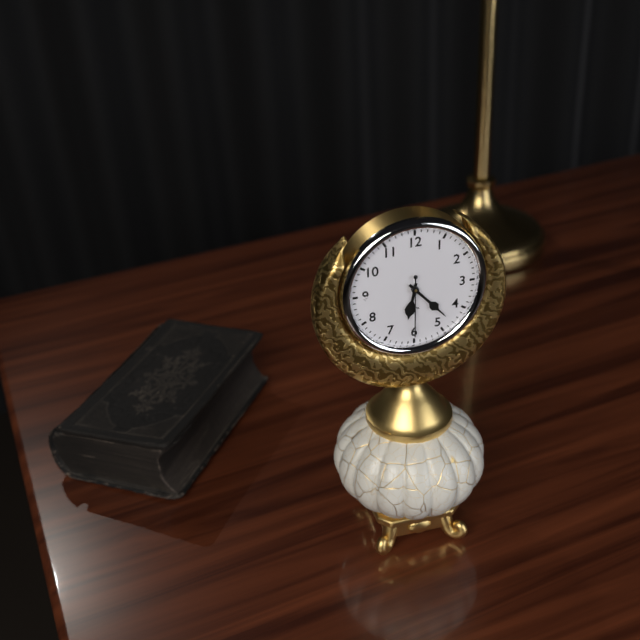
**6:23:30**
